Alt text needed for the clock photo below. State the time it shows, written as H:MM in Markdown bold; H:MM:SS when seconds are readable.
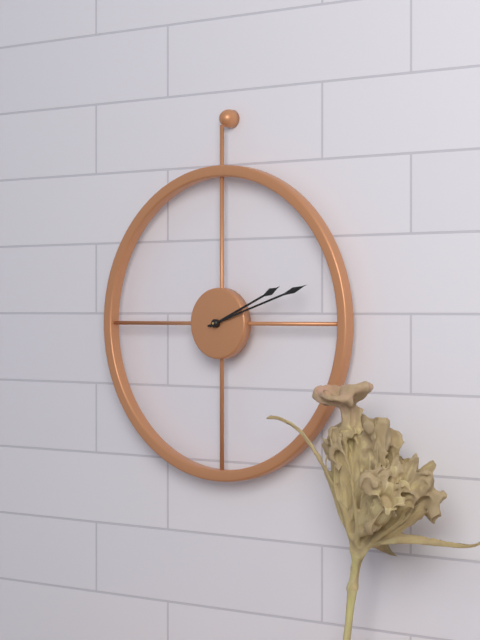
**2:12**
